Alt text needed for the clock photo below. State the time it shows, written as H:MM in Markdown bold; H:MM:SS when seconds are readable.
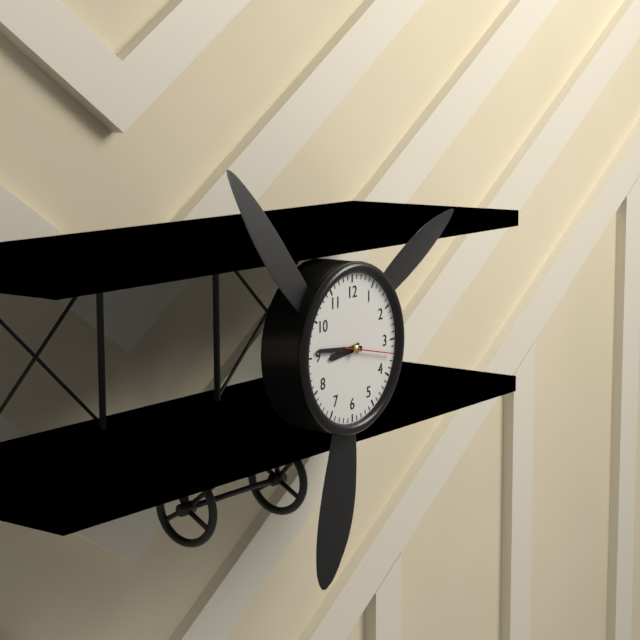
**8:46**
